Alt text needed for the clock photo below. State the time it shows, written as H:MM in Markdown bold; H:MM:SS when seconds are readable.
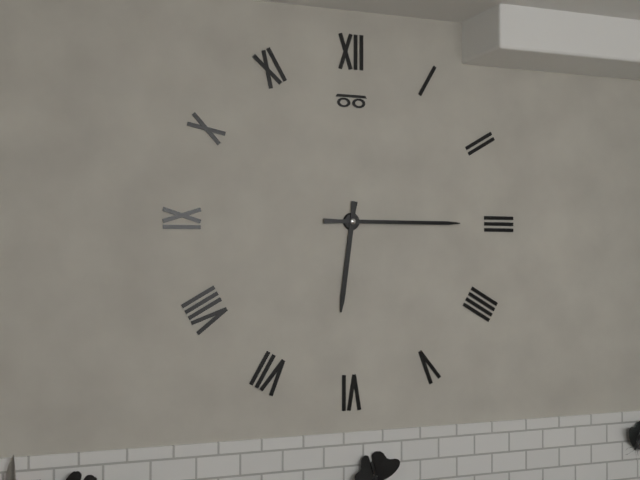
**6:15**
